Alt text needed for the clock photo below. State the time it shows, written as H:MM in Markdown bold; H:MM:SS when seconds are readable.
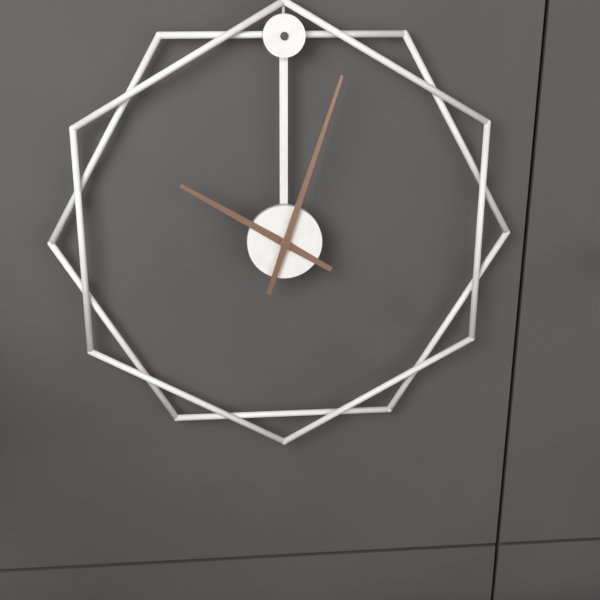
**10:03**
